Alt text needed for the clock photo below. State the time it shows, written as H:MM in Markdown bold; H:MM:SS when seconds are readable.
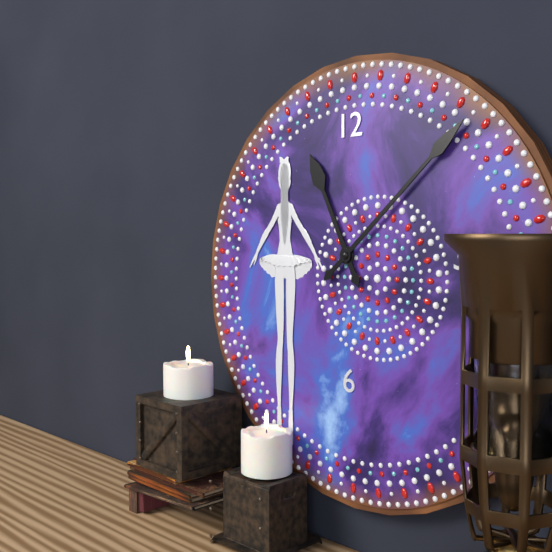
**11:08**
